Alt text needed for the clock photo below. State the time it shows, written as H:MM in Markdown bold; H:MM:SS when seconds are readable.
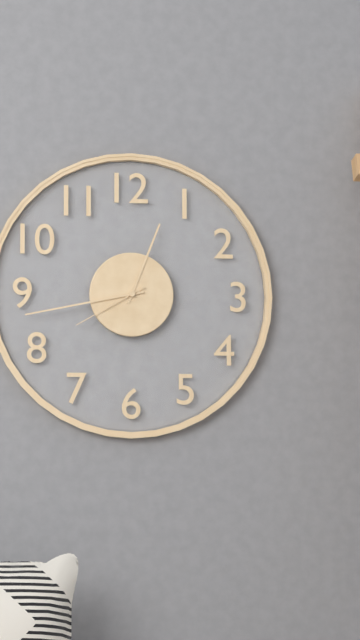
**12:43:40**
